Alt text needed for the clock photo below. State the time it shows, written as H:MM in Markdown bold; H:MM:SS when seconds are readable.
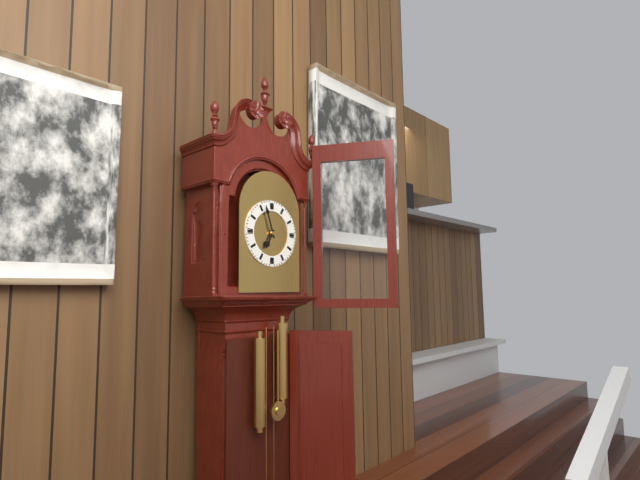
**6:57**
